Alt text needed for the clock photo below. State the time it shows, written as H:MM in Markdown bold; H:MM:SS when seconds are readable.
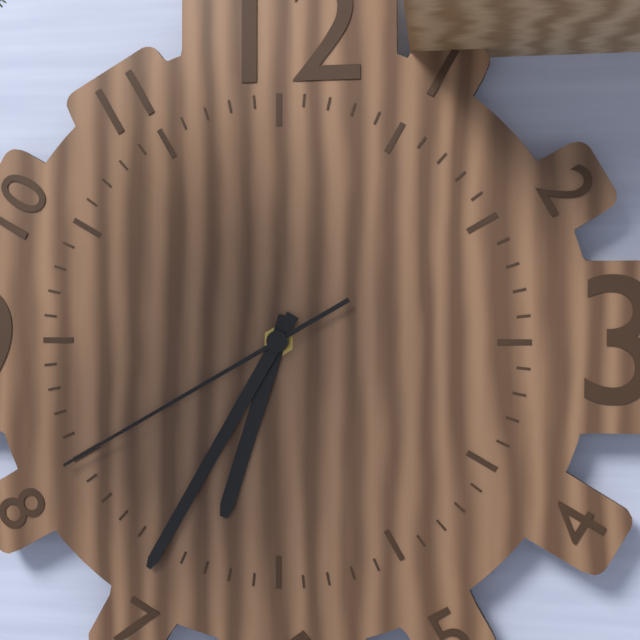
**6:35:40**
